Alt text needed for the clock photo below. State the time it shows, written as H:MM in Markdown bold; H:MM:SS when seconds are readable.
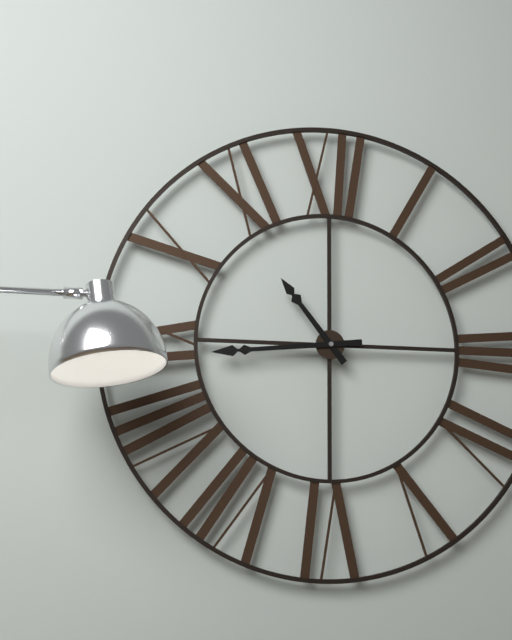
**10:44**
